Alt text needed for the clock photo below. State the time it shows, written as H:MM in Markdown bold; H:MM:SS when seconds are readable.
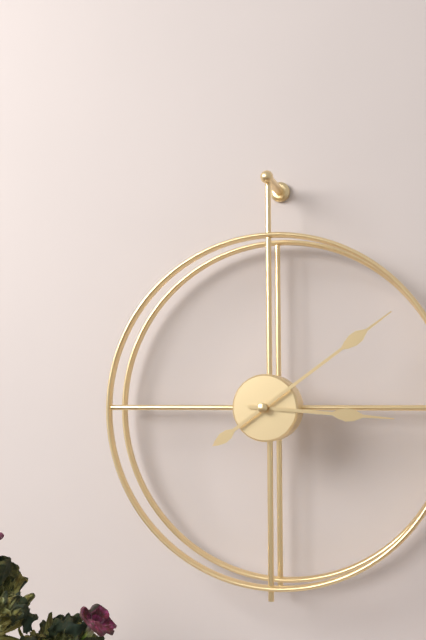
**3:09**
